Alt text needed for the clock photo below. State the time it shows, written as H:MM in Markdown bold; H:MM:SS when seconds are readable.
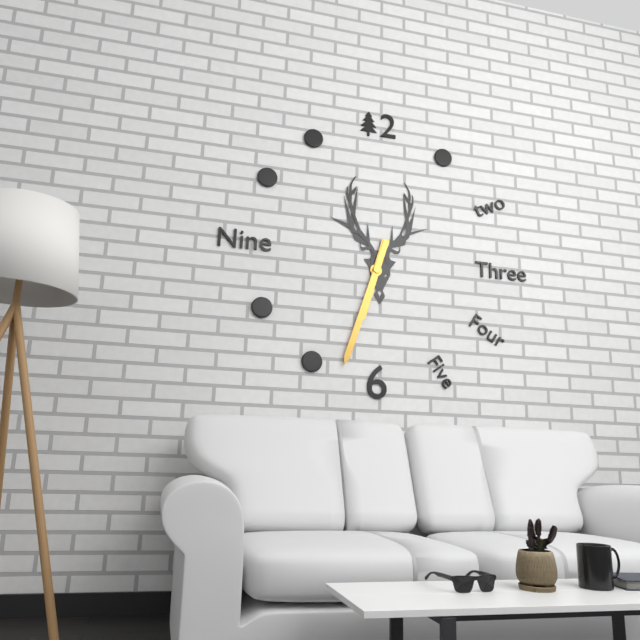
**6:33**
